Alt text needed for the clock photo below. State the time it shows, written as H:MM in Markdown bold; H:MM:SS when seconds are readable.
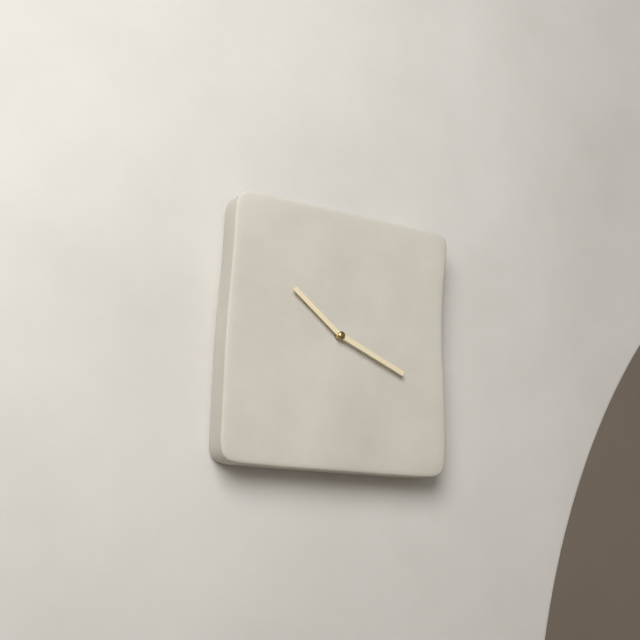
**10:19**
